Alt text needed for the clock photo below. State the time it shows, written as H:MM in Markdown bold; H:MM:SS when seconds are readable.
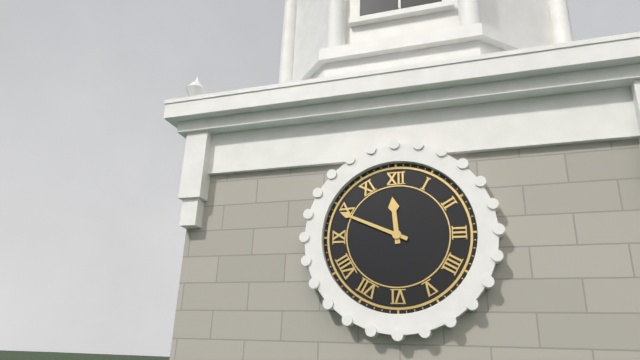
**11:49**
